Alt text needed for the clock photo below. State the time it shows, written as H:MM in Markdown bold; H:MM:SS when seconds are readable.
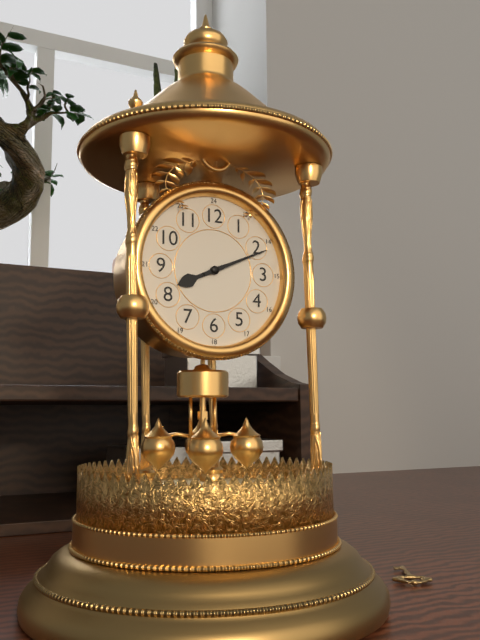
**8:11**
